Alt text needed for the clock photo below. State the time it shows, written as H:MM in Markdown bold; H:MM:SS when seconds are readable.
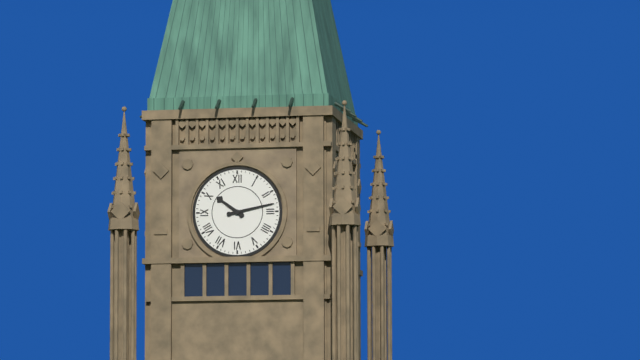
**10:13**
